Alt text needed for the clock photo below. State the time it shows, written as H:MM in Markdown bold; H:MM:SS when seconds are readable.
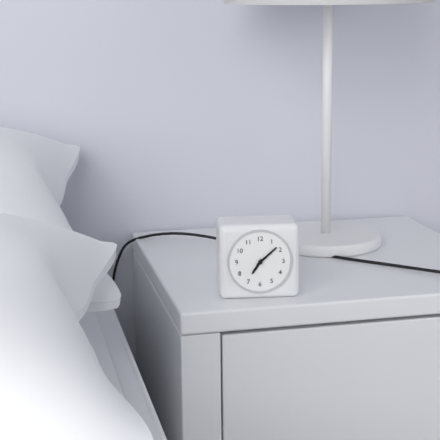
**7:08**
